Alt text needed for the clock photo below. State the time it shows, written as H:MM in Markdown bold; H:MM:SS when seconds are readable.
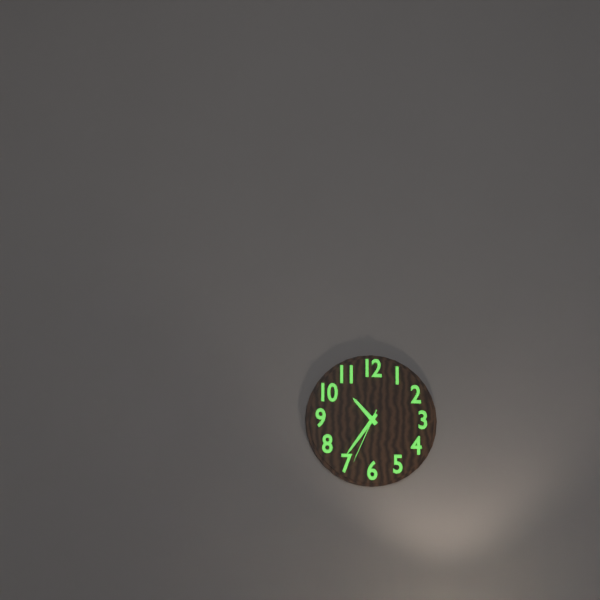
**10:36:34**
